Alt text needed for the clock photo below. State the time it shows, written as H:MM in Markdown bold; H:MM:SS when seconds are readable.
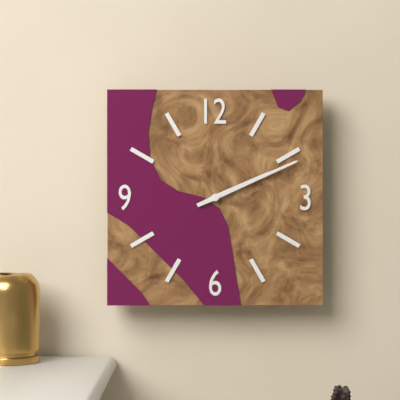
**2:11**
